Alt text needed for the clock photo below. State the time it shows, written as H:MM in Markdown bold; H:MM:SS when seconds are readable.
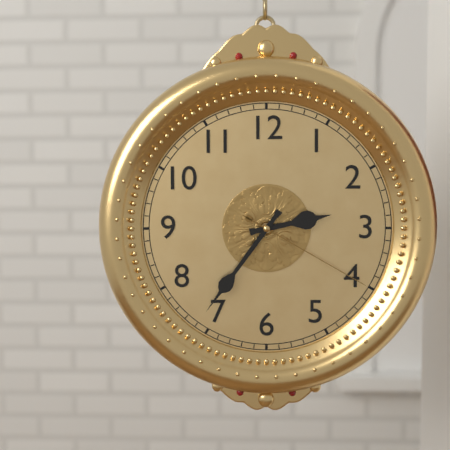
**2:36:20**
